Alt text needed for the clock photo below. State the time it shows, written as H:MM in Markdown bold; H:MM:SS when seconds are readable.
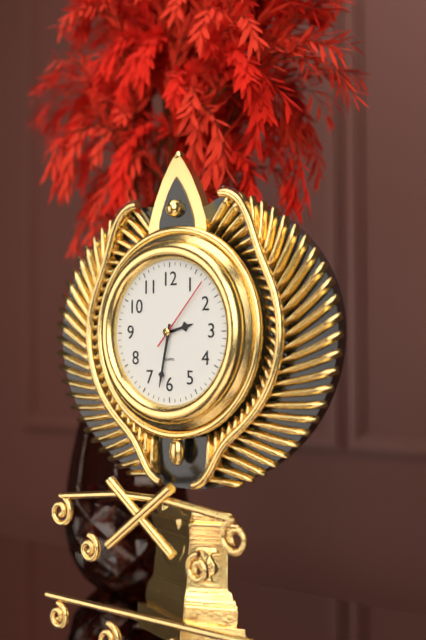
**2:32:07**
